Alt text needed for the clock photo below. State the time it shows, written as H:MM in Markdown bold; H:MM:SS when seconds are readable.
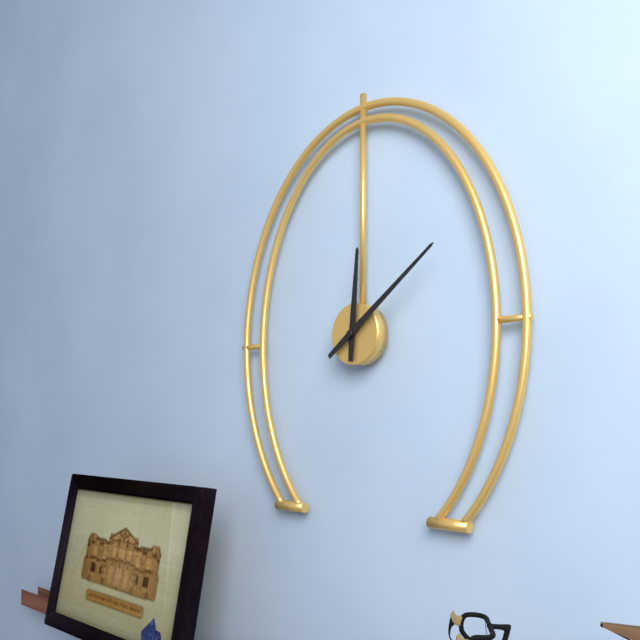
**12:09**
